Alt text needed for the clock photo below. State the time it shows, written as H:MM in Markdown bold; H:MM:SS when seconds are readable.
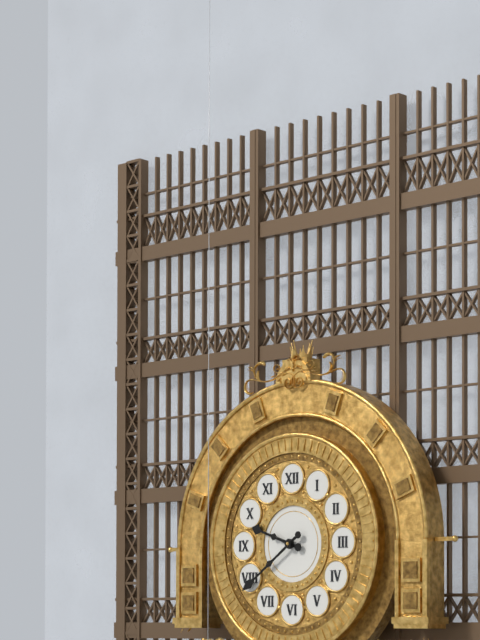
**9:39**
